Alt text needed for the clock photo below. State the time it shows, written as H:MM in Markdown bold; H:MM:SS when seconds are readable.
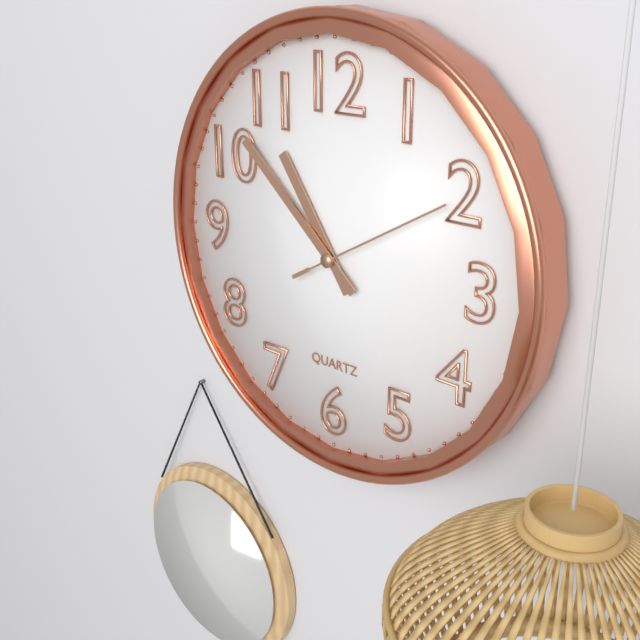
**10:52:10**
